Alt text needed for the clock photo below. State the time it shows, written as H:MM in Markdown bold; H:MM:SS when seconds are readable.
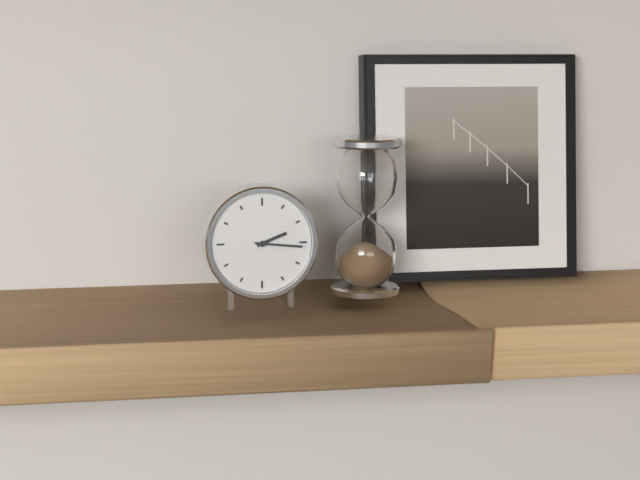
**2:16**
